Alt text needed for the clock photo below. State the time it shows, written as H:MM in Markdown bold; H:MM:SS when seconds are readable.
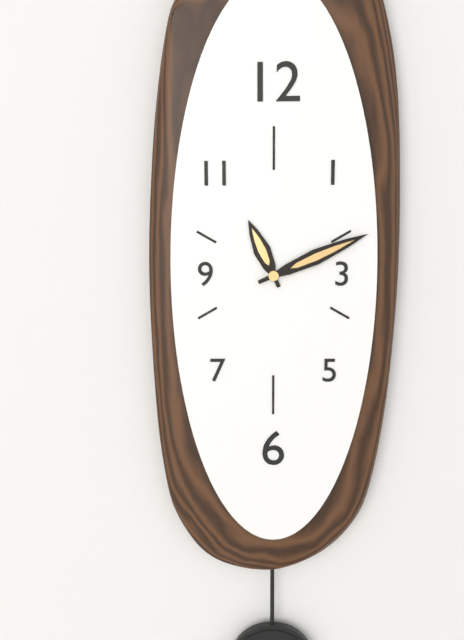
**11:11**
